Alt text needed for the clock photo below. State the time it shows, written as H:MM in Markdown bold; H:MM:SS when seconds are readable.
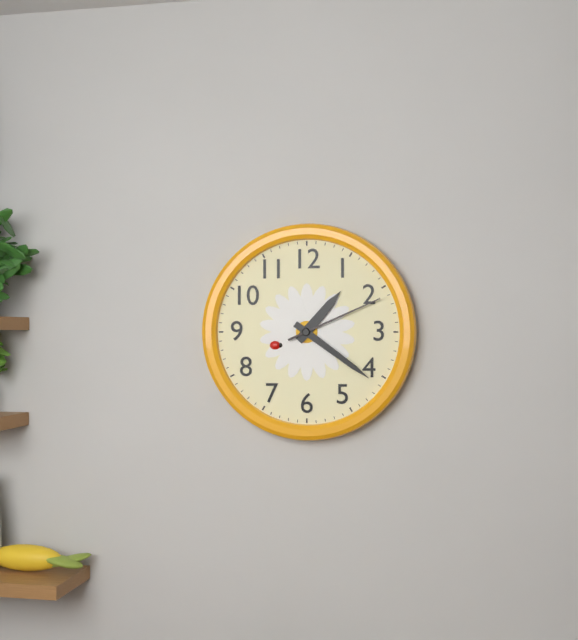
**1:21:11**
